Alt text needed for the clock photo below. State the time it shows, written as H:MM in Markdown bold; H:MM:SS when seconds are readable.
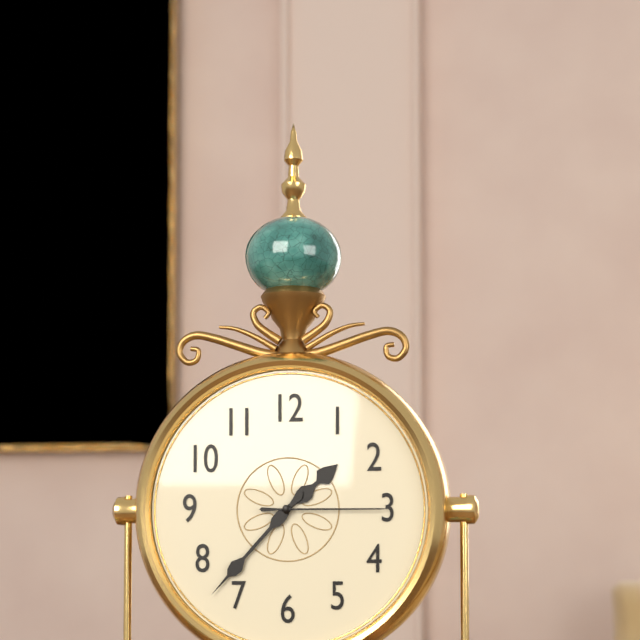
**1:37:15**
